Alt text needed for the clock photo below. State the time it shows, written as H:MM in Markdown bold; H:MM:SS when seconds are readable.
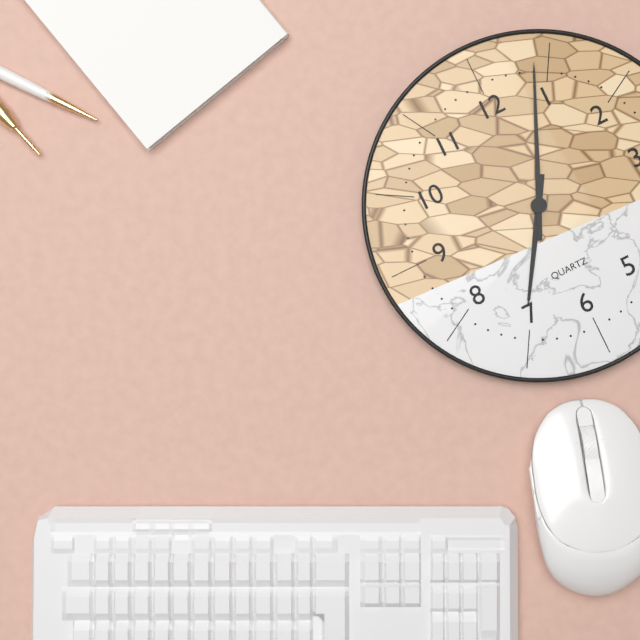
**7:04**
